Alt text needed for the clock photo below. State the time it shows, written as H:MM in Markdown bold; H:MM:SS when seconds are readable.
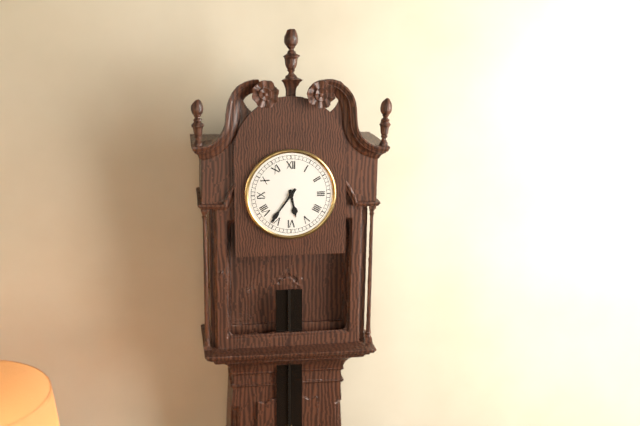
**5:36**
